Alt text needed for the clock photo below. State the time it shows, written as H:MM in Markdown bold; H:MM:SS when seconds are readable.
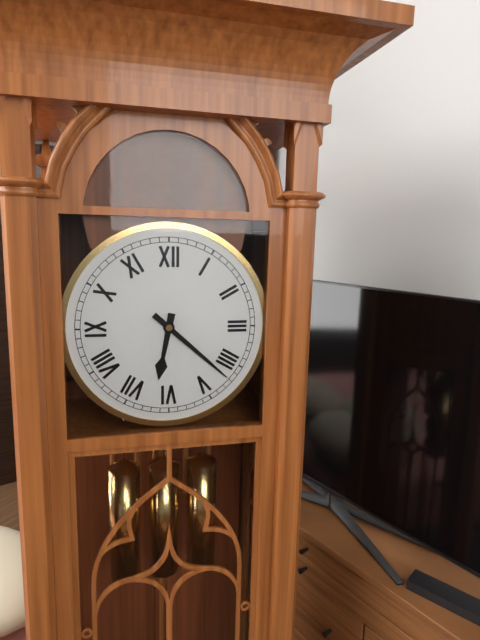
**6:22**
